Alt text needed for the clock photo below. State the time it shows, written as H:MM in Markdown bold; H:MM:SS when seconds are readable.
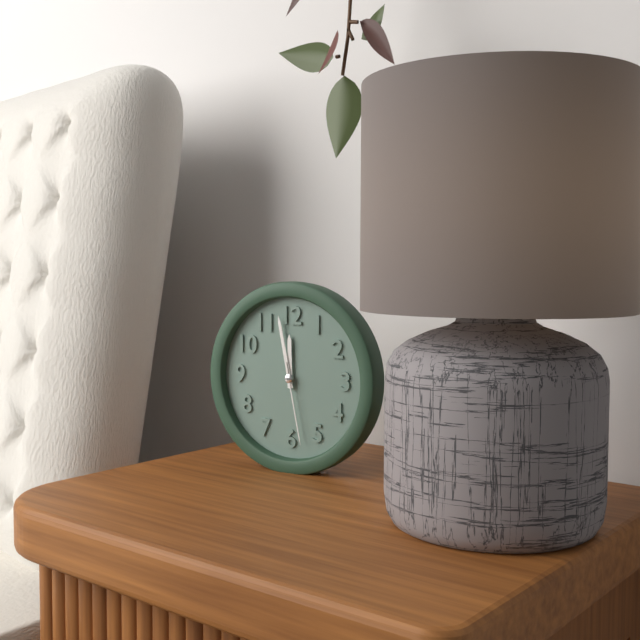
**11:58:28**
